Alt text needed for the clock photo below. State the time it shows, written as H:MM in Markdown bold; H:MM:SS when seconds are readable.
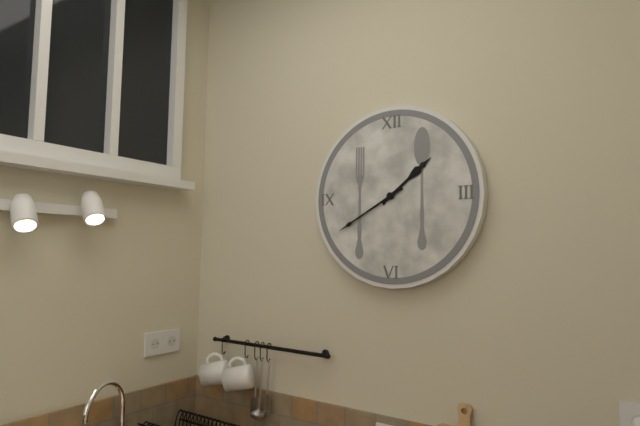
**1:40**
